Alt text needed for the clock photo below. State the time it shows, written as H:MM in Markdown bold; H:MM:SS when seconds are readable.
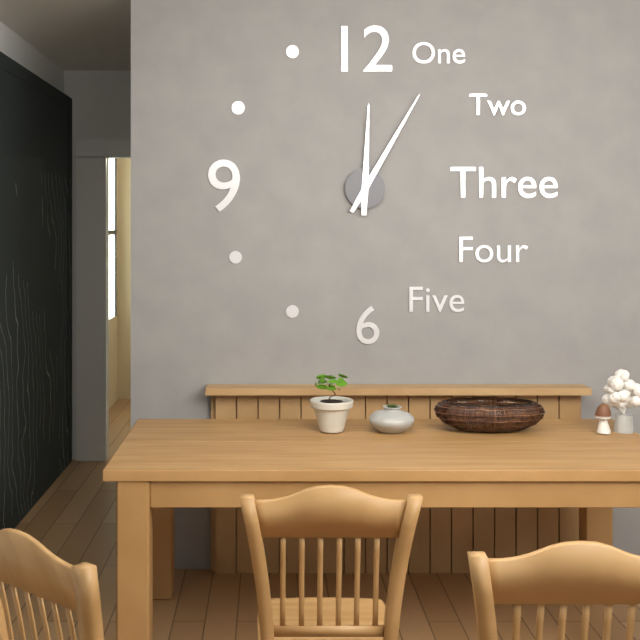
**12:05**
